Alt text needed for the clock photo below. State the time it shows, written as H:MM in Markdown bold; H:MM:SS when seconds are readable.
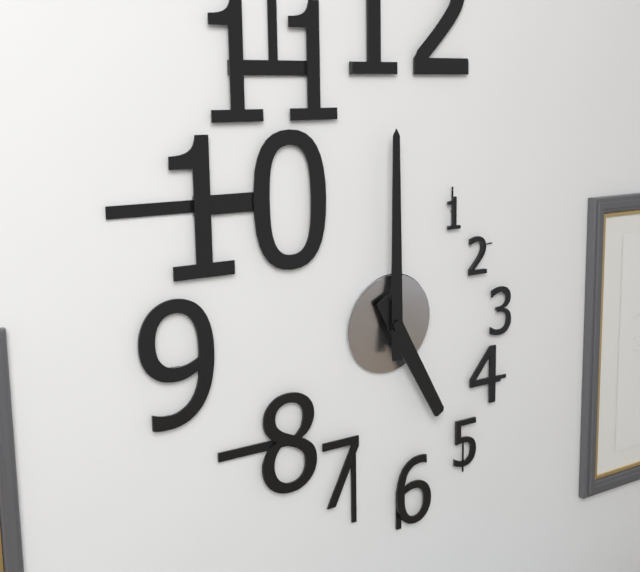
**5:00**
